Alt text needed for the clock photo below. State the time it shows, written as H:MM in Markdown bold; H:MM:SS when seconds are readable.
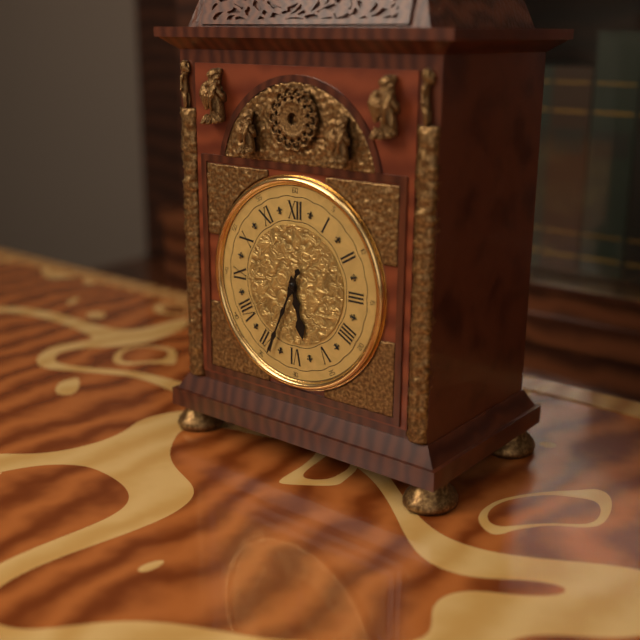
**5:34**
